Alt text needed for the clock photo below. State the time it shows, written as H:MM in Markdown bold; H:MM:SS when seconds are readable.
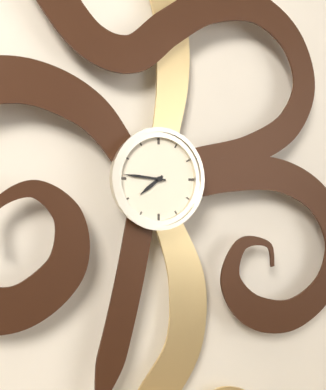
**7:46**
